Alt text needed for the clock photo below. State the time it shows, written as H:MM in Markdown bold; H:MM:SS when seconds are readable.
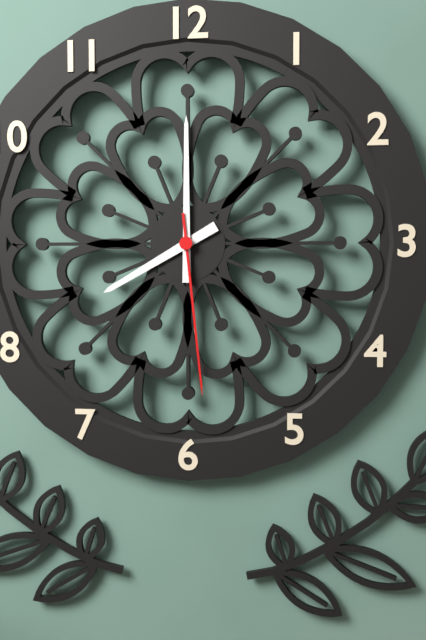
**8:00:29**
